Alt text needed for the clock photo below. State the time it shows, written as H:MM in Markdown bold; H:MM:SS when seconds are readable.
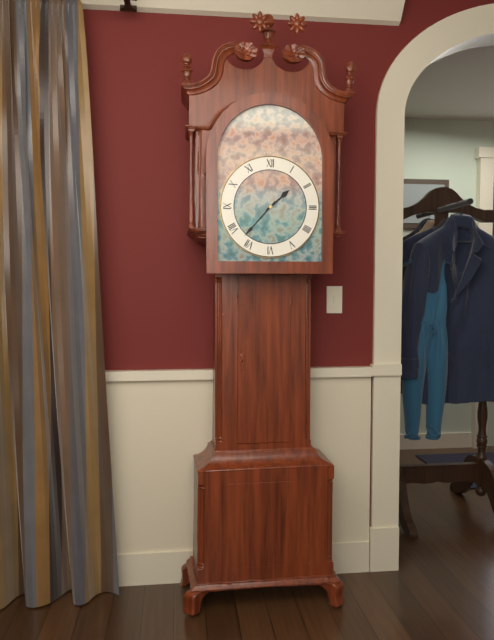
**1:37**
